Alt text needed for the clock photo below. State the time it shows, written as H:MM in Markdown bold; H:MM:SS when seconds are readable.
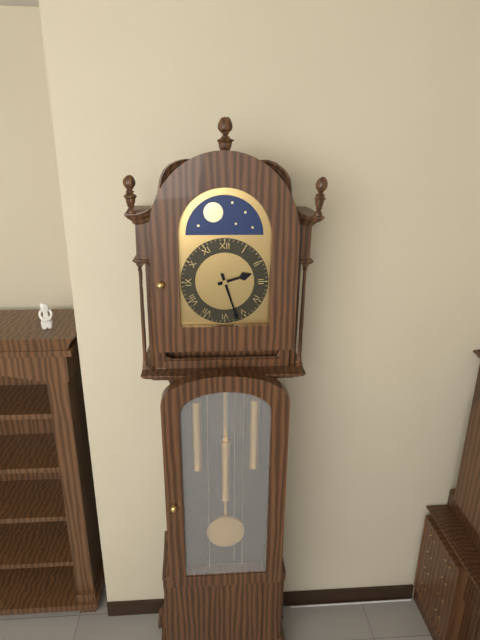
**2:27**
